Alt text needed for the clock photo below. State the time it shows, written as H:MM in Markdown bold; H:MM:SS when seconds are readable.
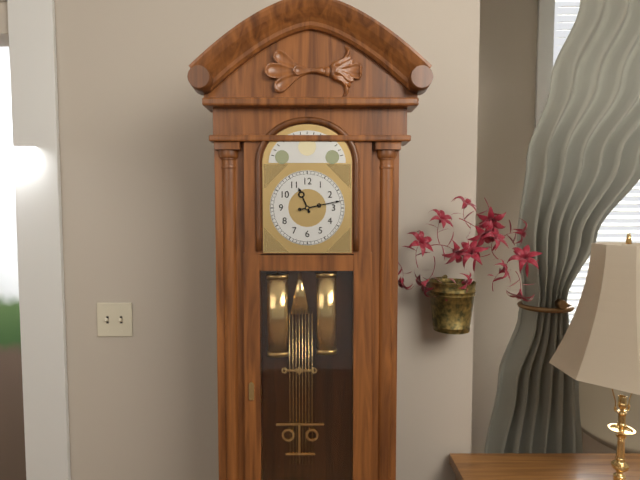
**11:13**
